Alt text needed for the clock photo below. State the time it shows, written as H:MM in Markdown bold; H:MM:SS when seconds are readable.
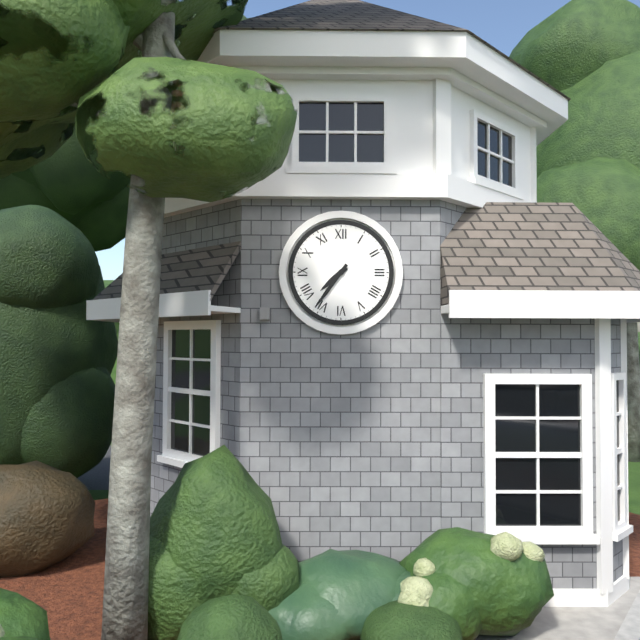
**7:36**
